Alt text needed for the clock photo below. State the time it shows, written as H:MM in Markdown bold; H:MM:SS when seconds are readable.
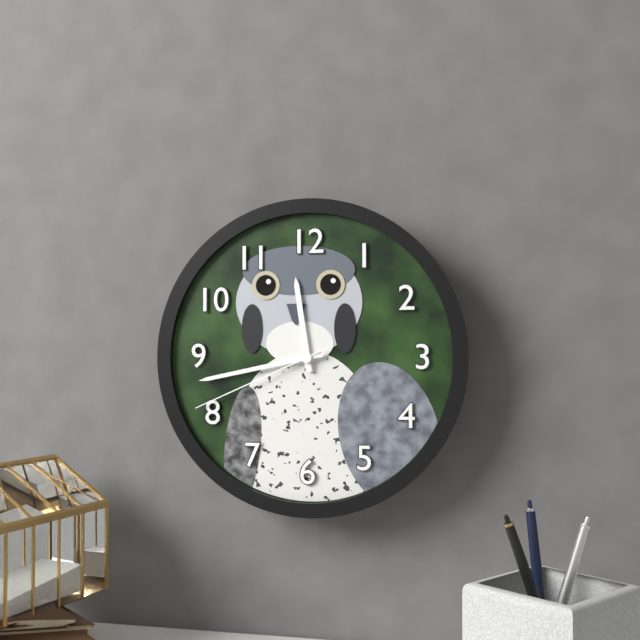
**11:43:41**
